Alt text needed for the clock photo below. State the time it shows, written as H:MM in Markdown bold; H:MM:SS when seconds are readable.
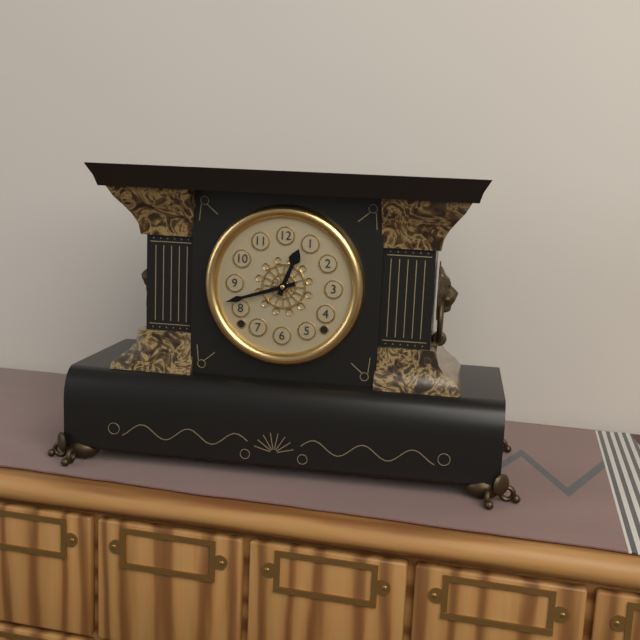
**12:42**
